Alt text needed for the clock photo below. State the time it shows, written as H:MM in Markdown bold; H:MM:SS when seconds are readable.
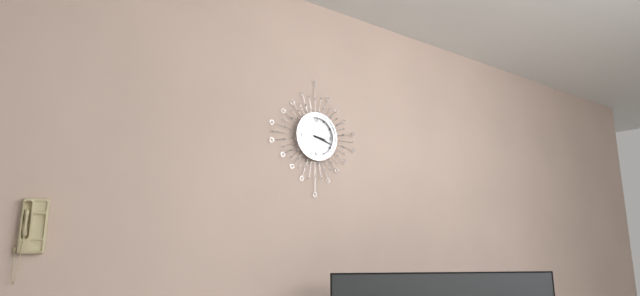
**3:18**
